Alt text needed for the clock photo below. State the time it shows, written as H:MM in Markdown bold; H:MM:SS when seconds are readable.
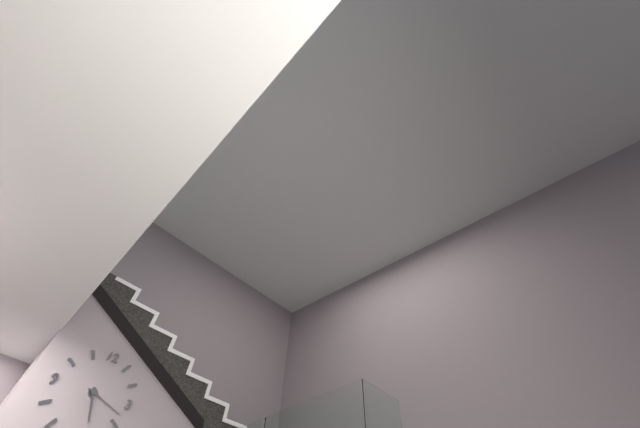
**5:18**
